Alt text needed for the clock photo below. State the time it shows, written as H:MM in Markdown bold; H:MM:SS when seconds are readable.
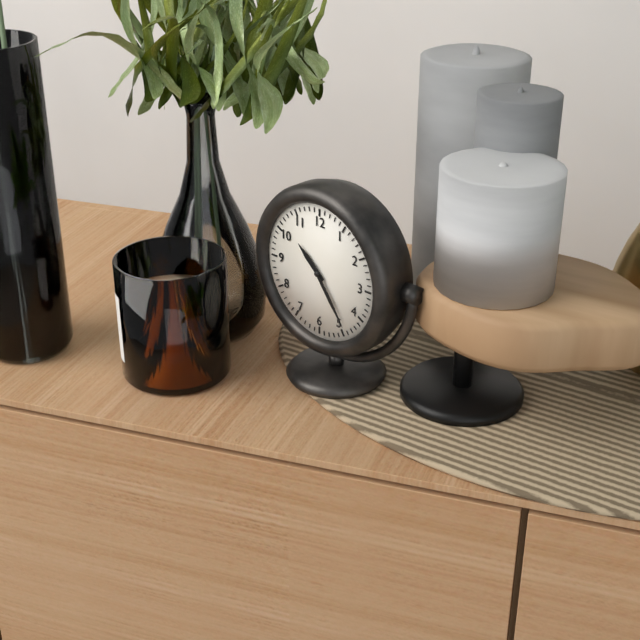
**10:24**
